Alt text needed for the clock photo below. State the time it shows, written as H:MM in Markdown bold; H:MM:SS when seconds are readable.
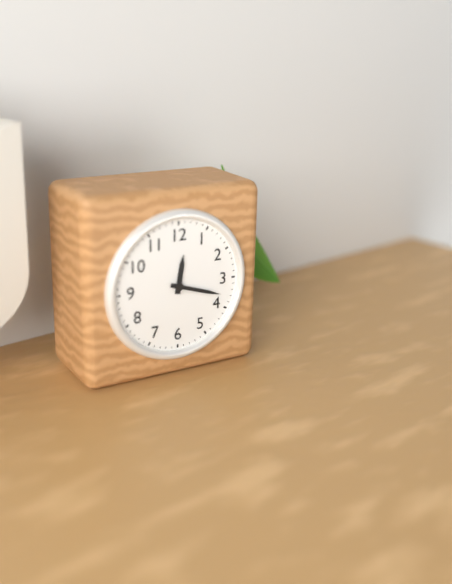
**12:18**
